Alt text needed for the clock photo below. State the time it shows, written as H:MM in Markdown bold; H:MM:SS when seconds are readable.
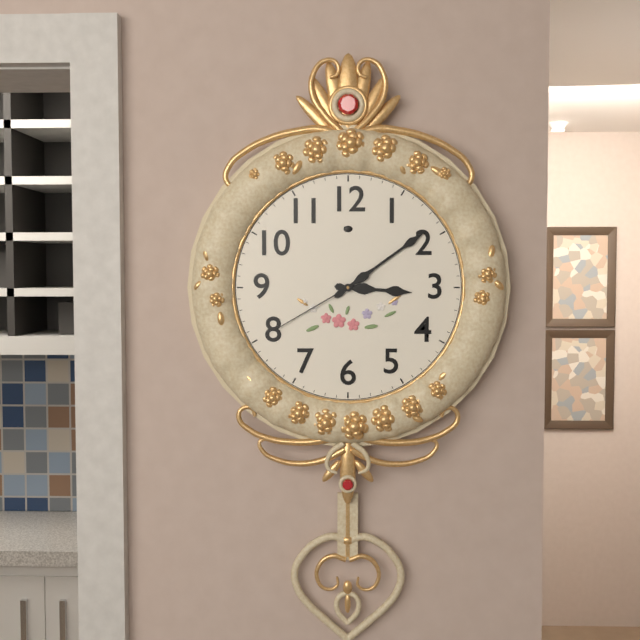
**3:09:40**
